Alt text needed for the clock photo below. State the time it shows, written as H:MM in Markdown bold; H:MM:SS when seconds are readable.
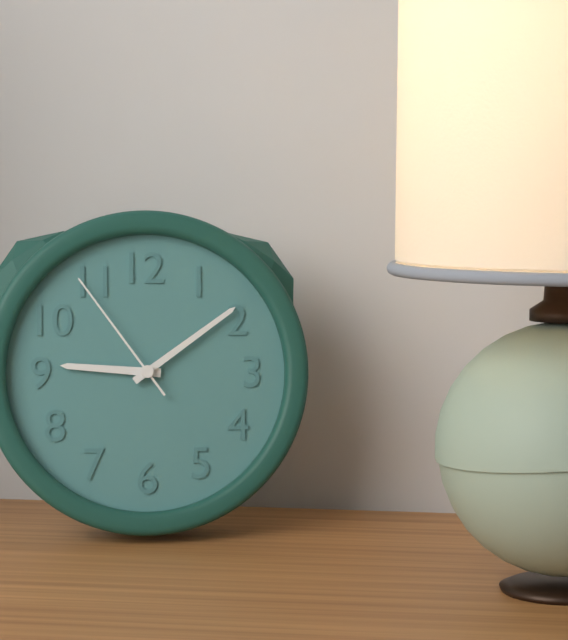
**9:09:54**
